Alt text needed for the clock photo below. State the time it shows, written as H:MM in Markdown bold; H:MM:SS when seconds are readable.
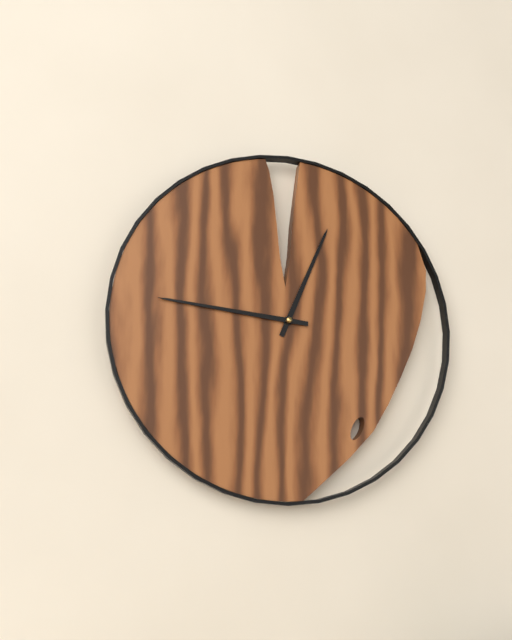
**12:46**
